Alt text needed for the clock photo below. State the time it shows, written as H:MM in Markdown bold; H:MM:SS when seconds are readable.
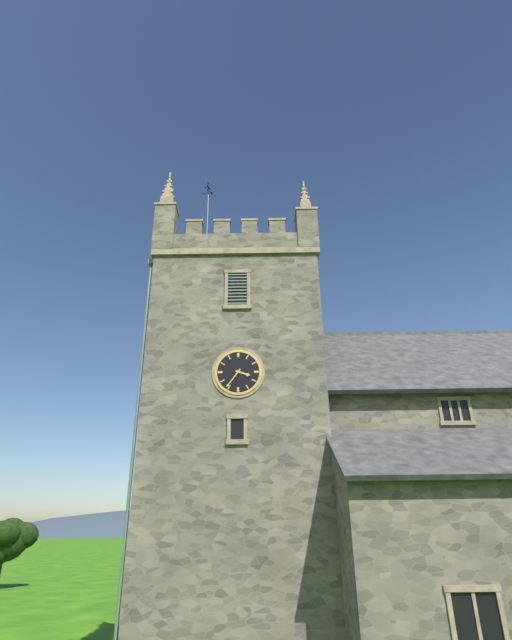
**3:36**
